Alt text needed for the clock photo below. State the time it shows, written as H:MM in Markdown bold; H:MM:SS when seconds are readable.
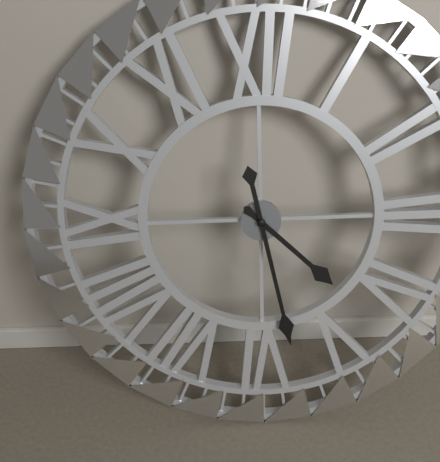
**4:28**
